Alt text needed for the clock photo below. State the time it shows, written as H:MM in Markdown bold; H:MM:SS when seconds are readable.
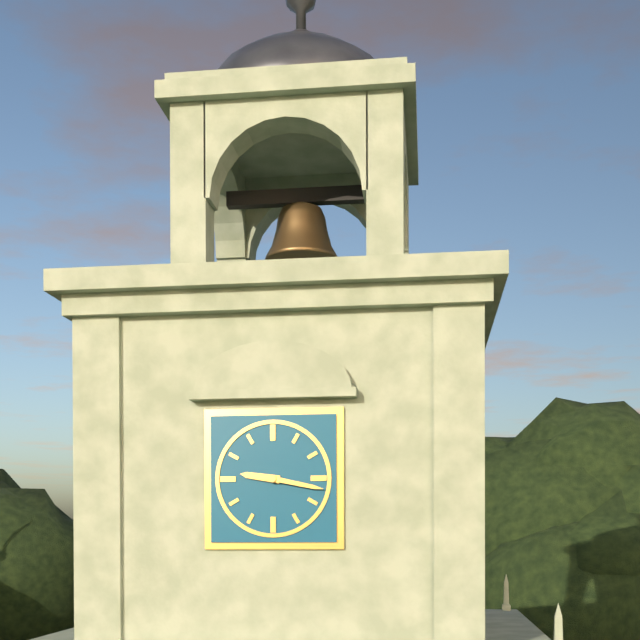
**9:17**
